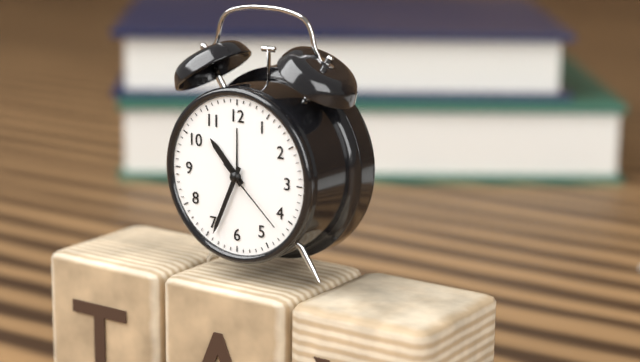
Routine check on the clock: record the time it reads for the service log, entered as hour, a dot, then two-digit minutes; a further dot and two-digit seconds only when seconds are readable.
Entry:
10.34.22
